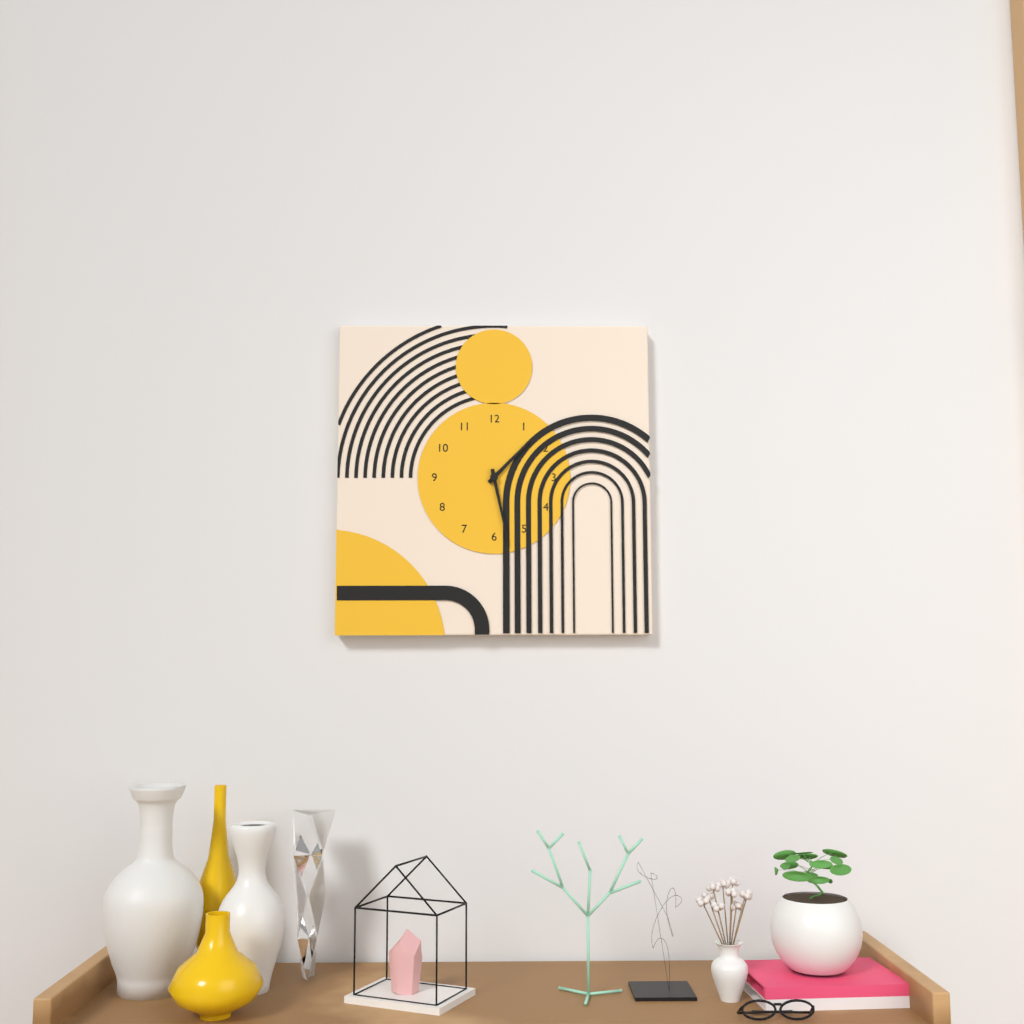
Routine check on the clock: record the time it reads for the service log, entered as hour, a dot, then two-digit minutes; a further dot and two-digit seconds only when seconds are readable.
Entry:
1.28
